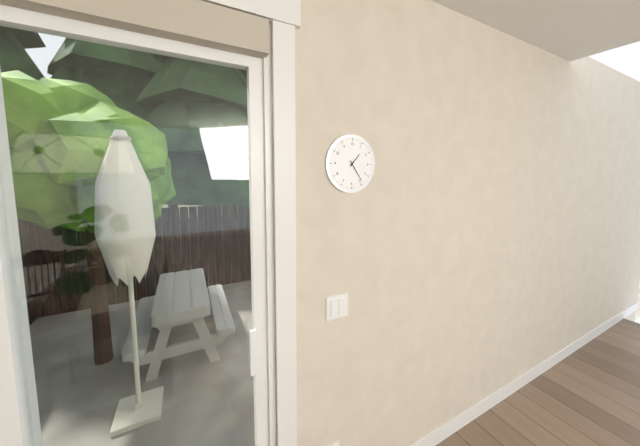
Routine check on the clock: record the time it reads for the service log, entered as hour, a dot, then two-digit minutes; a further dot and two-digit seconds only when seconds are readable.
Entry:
1.24
